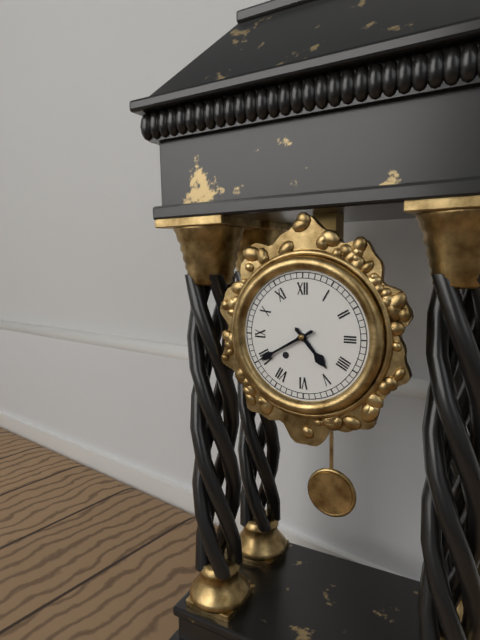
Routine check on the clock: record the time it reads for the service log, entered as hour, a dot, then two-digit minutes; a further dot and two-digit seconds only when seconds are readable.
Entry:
4.40
